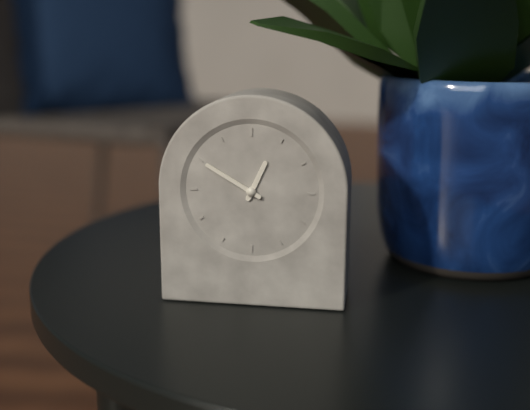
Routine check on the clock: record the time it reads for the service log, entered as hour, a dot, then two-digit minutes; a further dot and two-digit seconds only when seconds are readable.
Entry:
12.50
